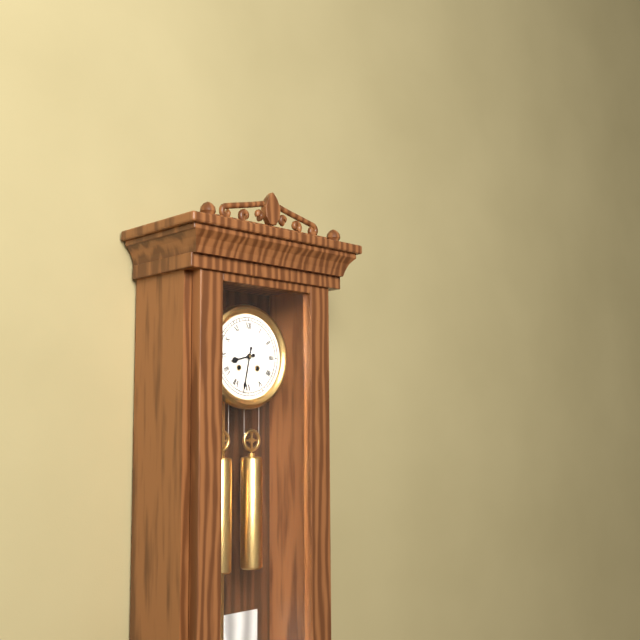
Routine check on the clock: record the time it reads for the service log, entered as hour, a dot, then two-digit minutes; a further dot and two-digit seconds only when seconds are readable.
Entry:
8.32
